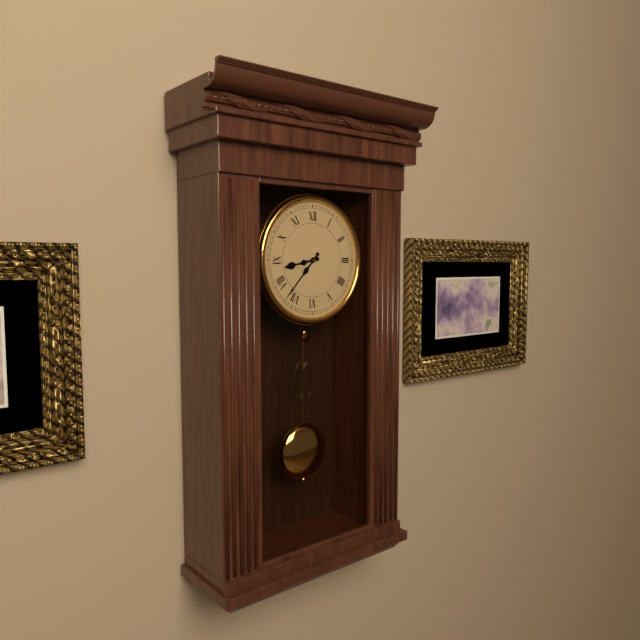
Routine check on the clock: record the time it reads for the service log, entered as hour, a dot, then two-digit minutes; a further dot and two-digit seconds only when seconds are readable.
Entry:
8.37
